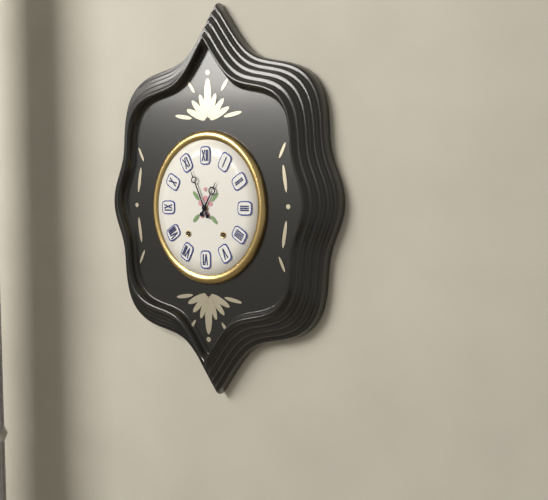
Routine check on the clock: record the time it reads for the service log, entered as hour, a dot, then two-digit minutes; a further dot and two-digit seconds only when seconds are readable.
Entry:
12.56
